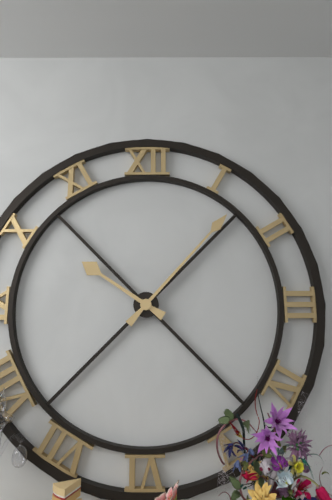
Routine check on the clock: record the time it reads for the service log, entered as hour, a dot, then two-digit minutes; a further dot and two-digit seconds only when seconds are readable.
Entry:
10.07
